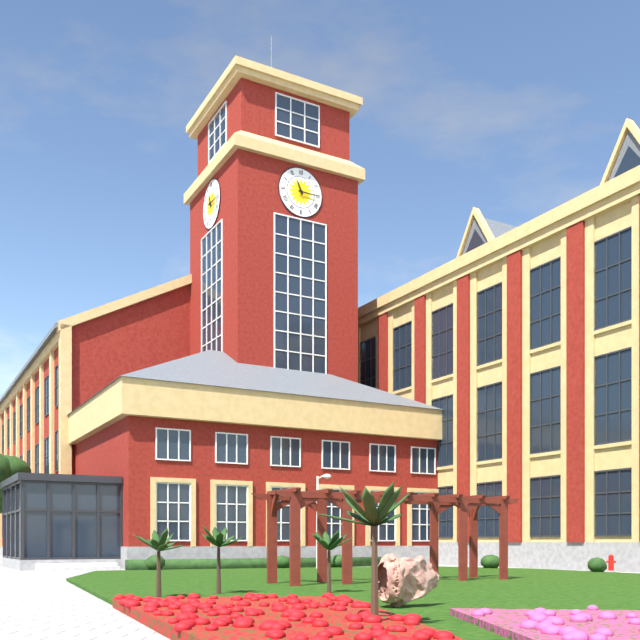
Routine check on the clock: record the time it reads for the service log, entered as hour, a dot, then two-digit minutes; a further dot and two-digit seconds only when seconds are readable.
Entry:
11.15
